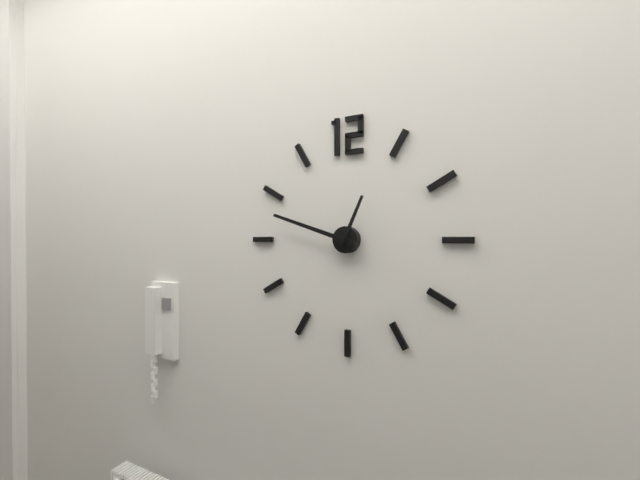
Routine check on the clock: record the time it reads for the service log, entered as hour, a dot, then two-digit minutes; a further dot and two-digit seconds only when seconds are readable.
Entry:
12.48
